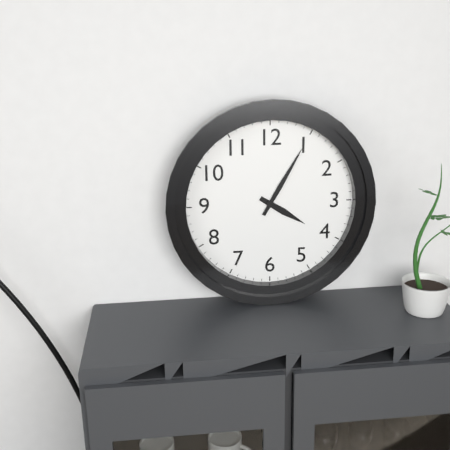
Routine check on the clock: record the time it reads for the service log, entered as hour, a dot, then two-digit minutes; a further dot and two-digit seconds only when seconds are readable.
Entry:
4.05
